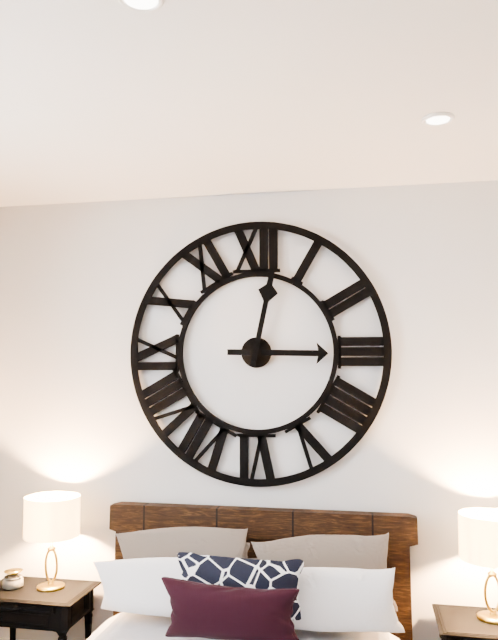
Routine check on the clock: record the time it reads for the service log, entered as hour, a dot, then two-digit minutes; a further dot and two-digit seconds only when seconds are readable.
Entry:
3.02
